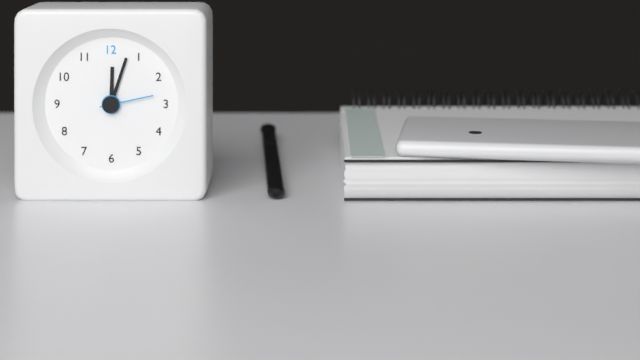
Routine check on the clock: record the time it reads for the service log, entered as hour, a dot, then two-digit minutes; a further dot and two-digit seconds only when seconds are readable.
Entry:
12.03.13
